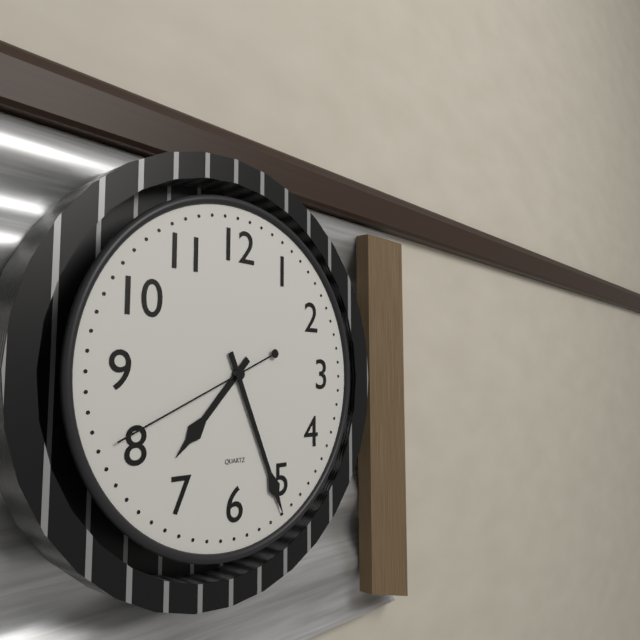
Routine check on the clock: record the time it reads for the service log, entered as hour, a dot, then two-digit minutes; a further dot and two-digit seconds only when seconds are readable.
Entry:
7.26.41
